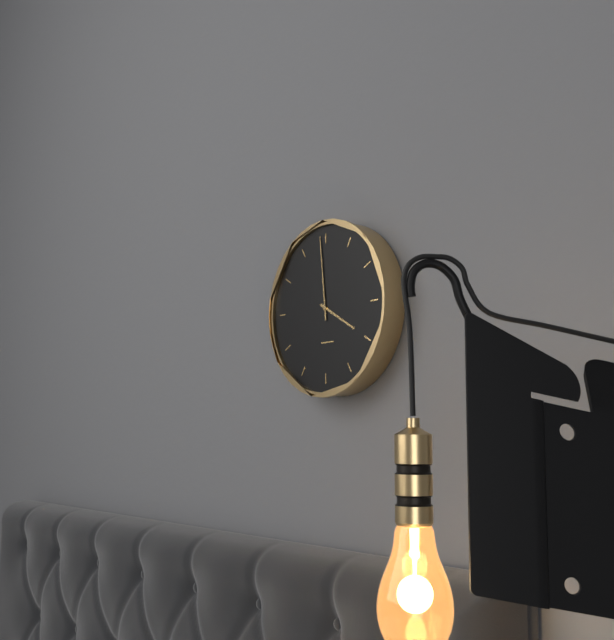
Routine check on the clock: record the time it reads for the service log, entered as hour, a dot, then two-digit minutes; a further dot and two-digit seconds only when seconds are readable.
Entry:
3.59
